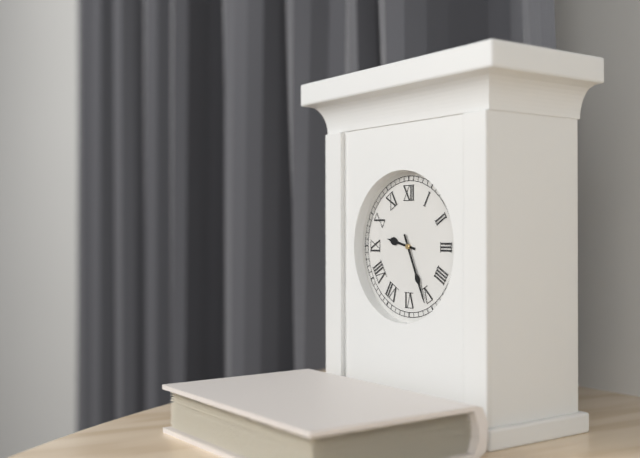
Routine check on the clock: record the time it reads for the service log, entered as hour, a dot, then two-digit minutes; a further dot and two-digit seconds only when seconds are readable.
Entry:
9.26
